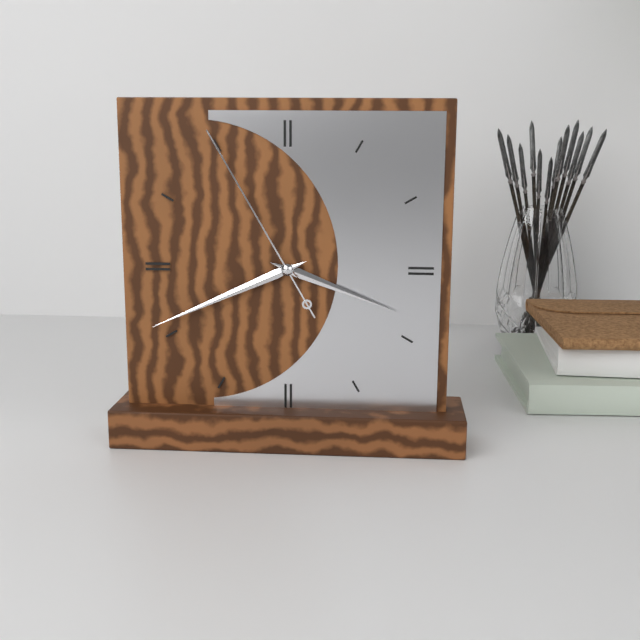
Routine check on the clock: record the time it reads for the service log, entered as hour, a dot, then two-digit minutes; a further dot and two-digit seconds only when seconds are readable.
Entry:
3.41.55
